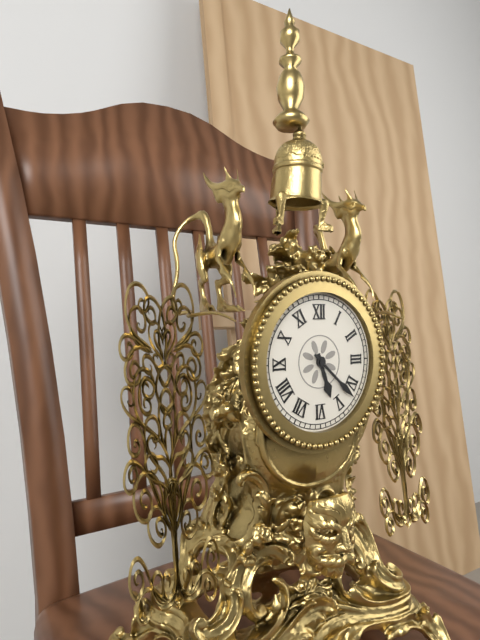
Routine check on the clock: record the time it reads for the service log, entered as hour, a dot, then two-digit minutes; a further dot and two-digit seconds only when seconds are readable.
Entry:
5.22
